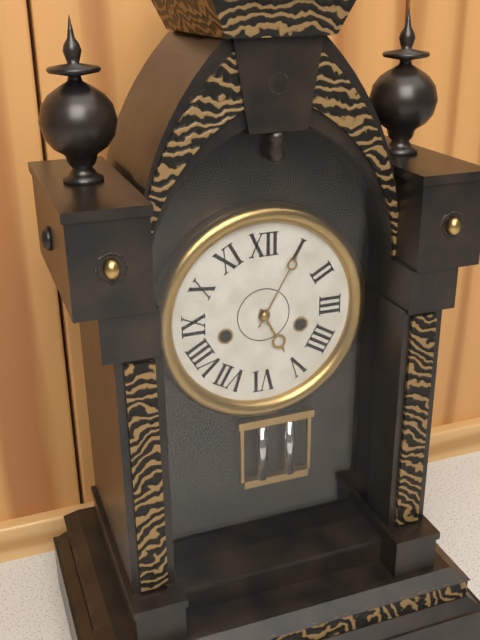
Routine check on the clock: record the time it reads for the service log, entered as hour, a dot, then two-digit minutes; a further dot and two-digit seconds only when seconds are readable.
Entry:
5.05
